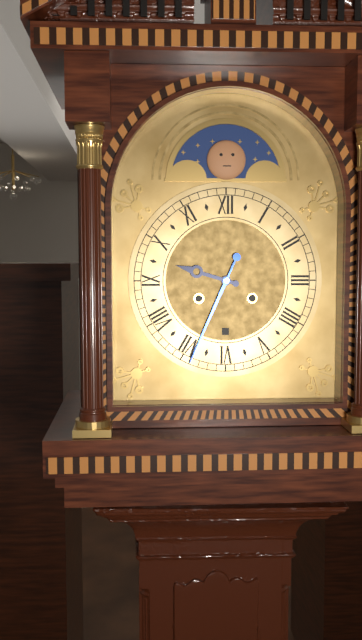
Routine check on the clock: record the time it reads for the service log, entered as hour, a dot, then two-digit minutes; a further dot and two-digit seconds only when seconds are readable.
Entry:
9.34
